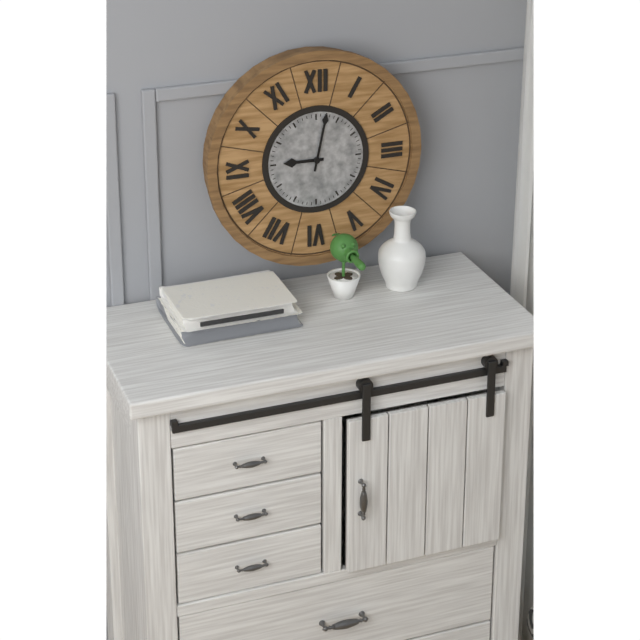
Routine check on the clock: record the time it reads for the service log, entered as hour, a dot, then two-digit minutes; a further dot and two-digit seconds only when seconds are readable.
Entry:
9.02
